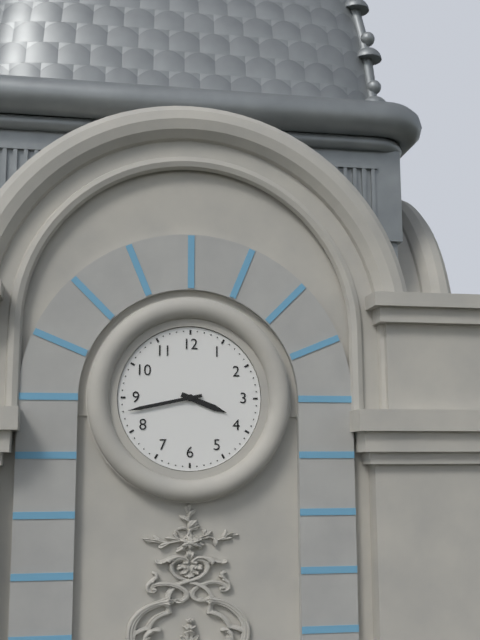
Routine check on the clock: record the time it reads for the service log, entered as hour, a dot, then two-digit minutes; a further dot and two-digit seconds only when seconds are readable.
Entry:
3.43
